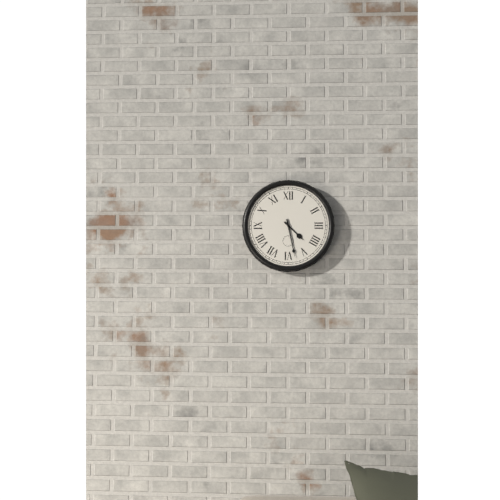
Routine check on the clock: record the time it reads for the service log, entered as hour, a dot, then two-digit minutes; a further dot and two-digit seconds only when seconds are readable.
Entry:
4.28
